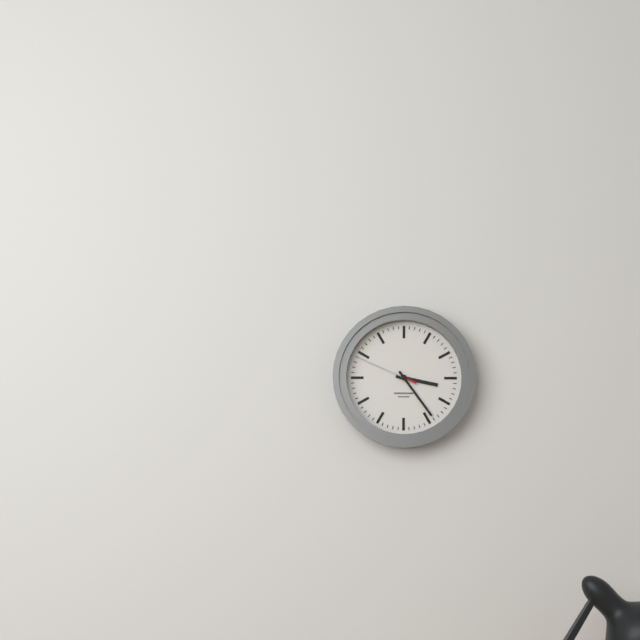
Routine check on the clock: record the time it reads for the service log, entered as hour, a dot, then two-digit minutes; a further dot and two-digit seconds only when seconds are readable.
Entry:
3.24.49
